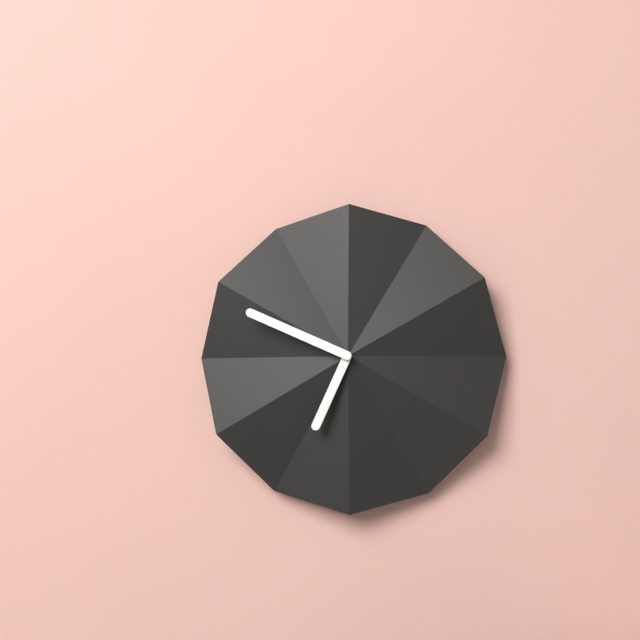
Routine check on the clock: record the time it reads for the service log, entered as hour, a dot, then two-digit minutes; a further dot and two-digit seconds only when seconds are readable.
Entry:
6.49
